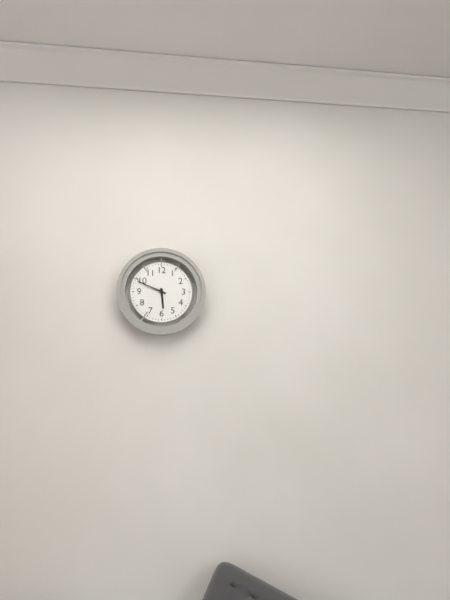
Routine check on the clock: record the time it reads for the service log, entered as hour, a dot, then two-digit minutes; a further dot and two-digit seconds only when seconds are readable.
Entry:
5.49
